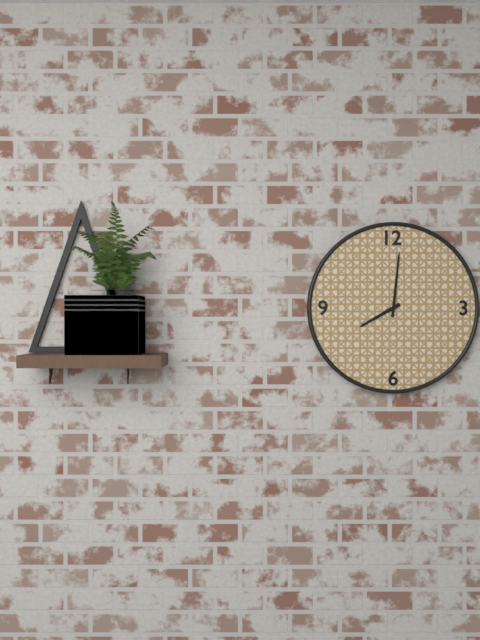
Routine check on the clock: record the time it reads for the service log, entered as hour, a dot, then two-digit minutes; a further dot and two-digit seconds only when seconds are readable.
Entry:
8.01
